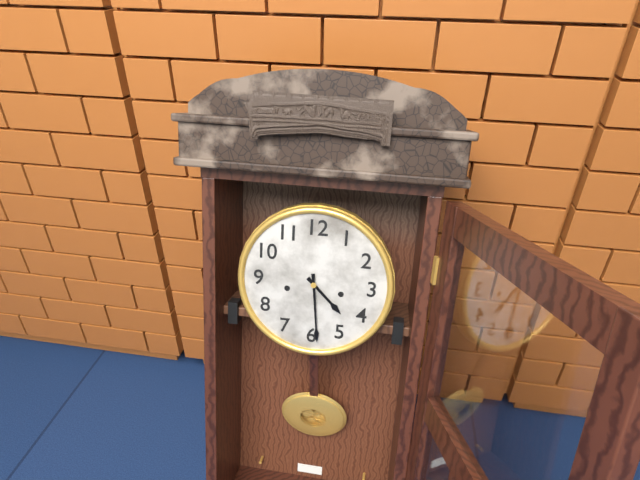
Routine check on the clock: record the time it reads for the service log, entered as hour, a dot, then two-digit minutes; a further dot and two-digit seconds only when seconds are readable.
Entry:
4.29
